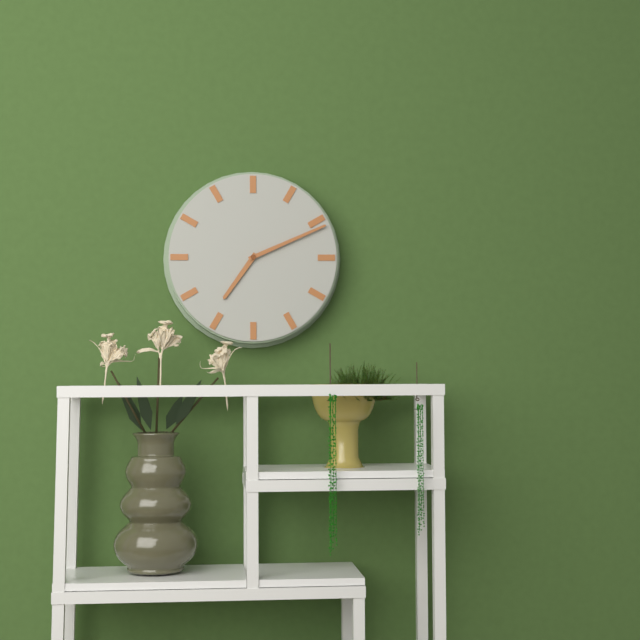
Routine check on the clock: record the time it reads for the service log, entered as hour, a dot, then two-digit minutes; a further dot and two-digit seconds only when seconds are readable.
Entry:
7.11
